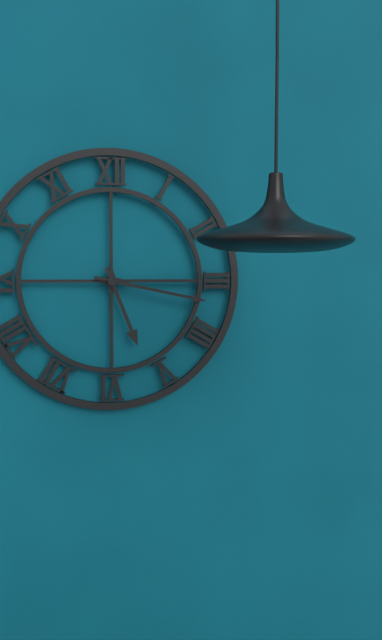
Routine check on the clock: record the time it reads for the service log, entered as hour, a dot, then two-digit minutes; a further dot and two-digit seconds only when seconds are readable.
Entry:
5.17
